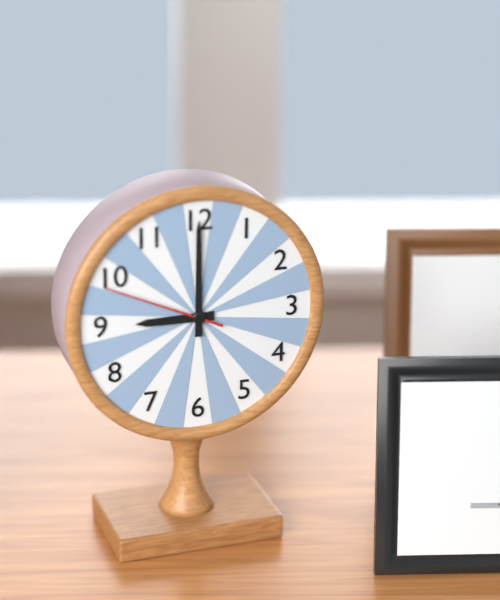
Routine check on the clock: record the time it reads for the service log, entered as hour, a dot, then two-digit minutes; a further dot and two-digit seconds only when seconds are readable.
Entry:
9.00.49
